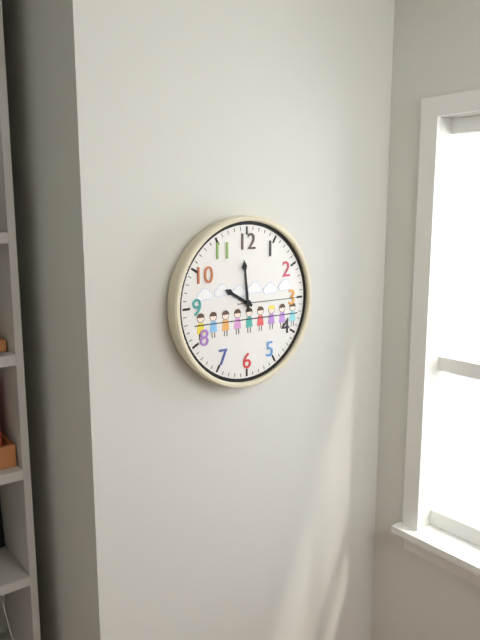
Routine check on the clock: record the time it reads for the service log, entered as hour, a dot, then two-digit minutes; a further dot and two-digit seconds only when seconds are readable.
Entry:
9.59.15
